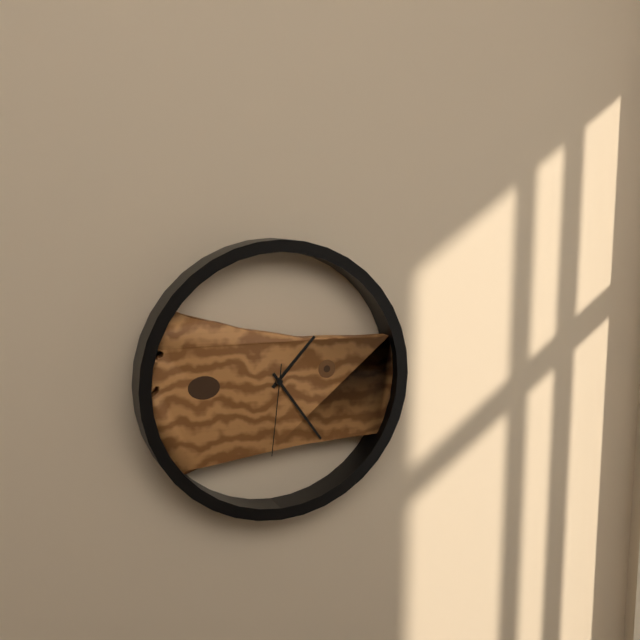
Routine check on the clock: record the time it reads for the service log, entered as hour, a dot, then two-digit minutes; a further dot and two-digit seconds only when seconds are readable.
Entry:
1.24.31
